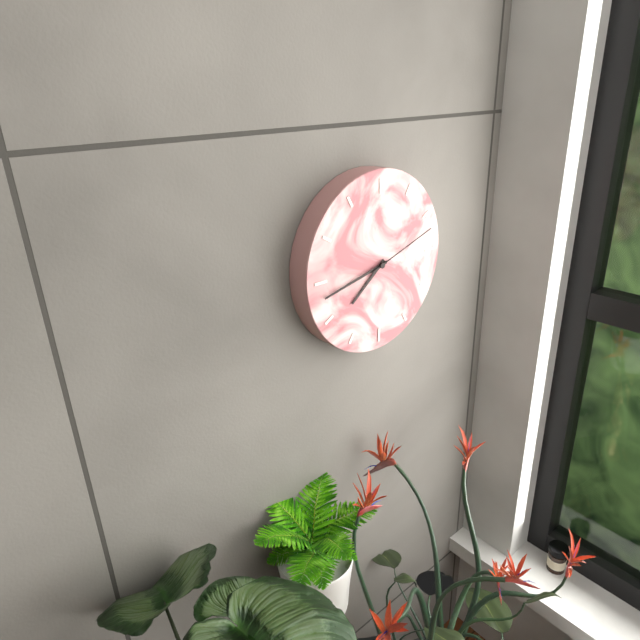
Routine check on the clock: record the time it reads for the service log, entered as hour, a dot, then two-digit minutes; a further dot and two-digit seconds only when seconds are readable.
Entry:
7.43.12
